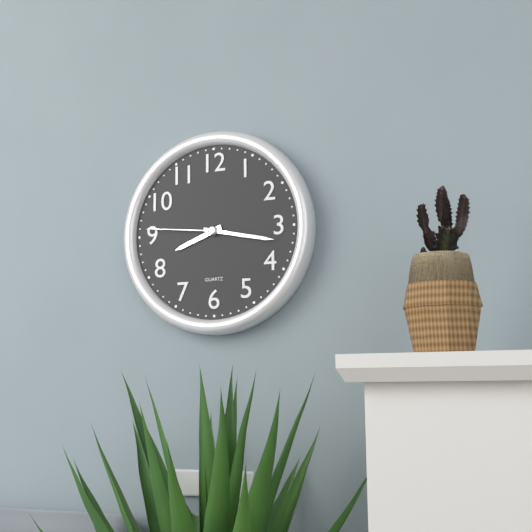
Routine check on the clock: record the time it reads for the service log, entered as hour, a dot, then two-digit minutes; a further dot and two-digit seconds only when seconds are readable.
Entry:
8.17.46
